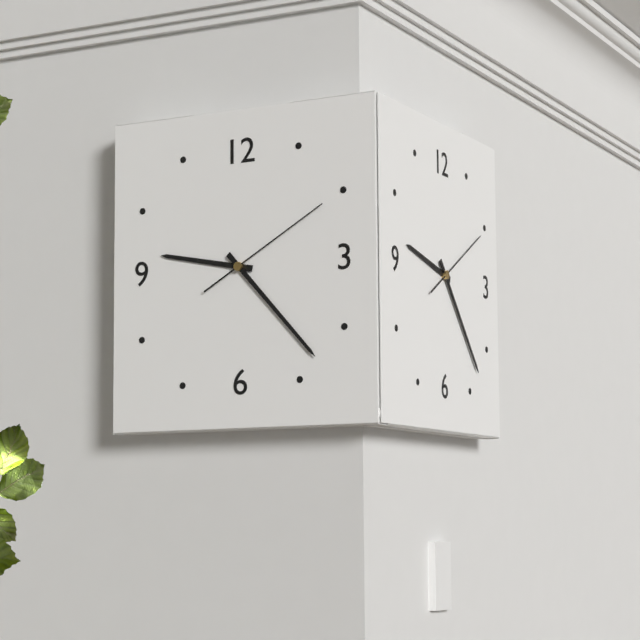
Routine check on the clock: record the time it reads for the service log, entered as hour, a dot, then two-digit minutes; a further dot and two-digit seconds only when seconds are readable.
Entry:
9.23.10
